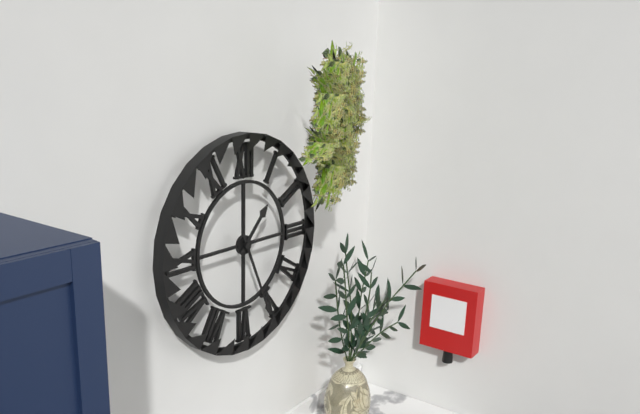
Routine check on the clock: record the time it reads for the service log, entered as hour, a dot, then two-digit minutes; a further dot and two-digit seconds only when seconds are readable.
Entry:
1.26
